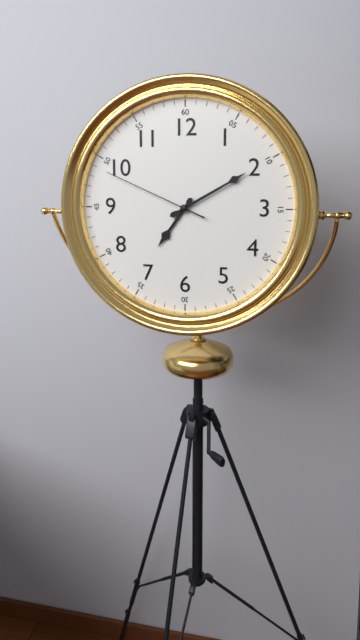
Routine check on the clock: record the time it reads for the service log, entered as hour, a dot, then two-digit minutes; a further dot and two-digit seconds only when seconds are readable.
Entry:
7.10.49
